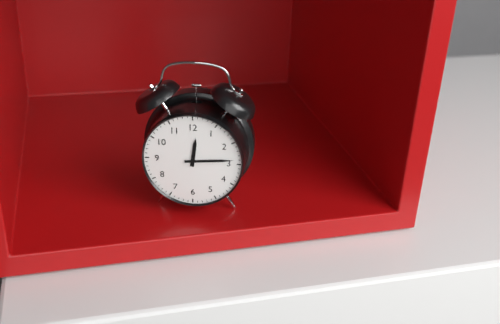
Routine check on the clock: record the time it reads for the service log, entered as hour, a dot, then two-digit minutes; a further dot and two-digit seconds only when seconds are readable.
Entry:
12.14
